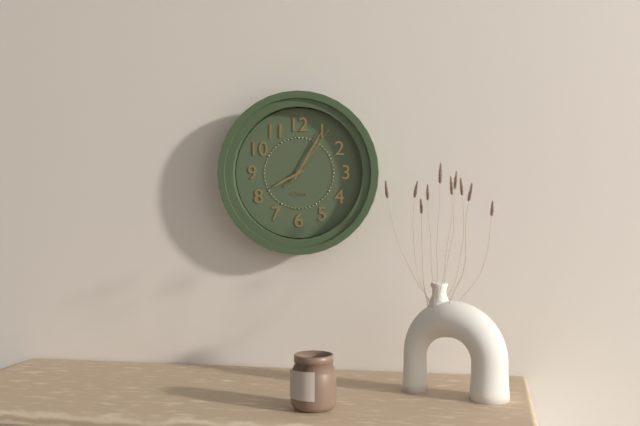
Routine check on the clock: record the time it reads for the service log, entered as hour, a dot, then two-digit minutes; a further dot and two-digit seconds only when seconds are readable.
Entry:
8.05.06
